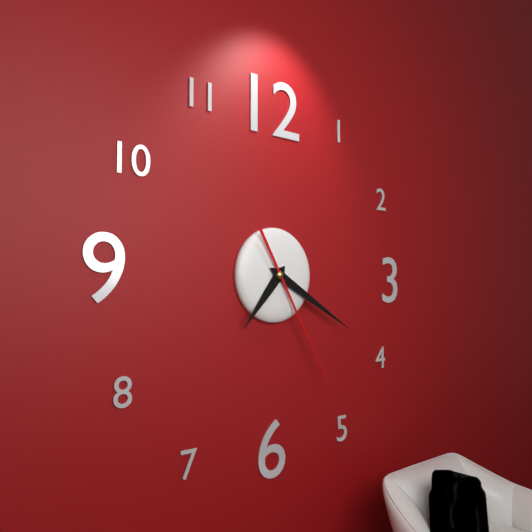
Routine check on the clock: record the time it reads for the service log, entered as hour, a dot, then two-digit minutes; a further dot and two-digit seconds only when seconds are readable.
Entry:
7.20.25
